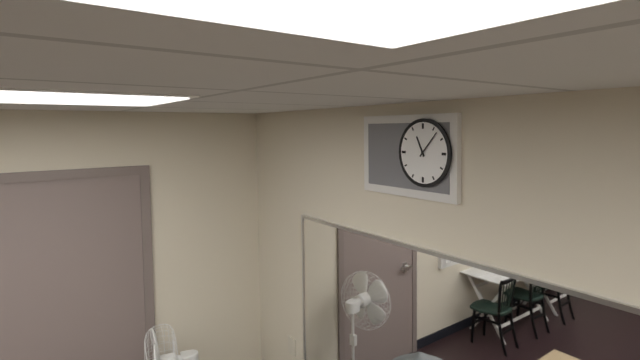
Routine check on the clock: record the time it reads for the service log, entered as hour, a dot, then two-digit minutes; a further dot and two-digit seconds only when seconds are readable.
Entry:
11.07
